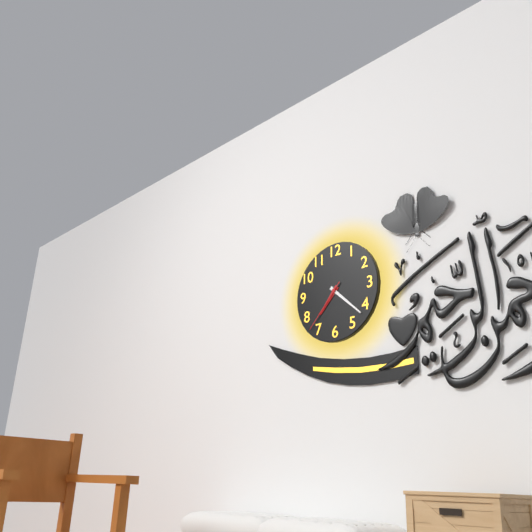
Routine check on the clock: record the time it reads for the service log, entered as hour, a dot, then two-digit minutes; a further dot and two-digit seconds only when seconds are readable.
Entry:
7.22.37
